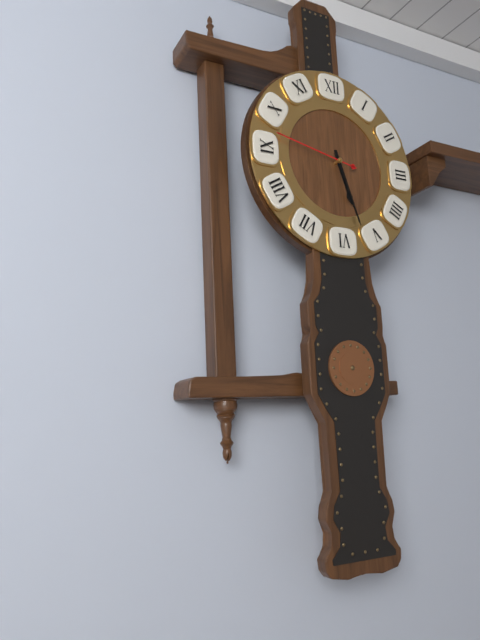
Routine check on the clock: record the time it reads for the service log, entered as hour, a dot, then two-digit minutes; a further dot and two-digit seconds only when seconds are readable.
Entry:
5.27.47
